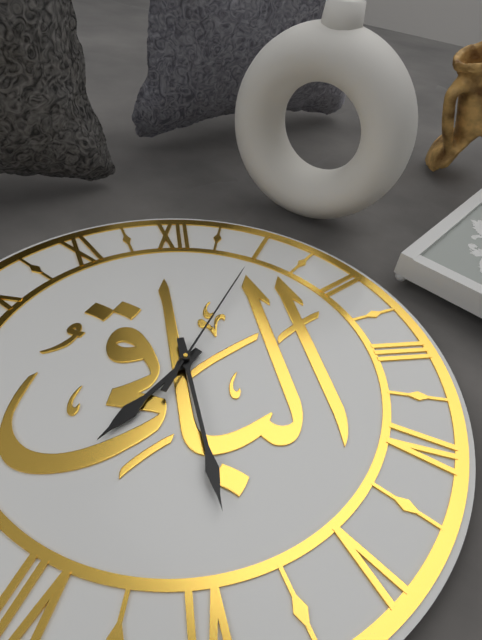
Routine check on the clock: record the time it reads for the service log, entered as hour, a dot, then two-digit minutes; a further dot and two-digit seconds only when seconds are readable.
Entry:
7.29.05
